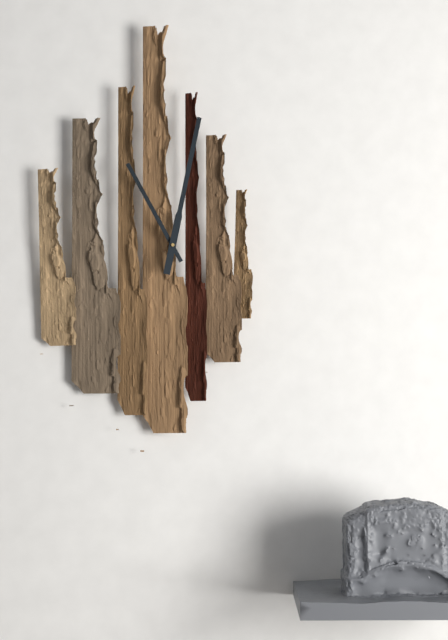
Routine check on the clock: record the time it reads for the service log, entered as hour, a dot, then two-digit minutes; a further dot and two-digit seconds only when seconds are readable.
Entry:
11.02
